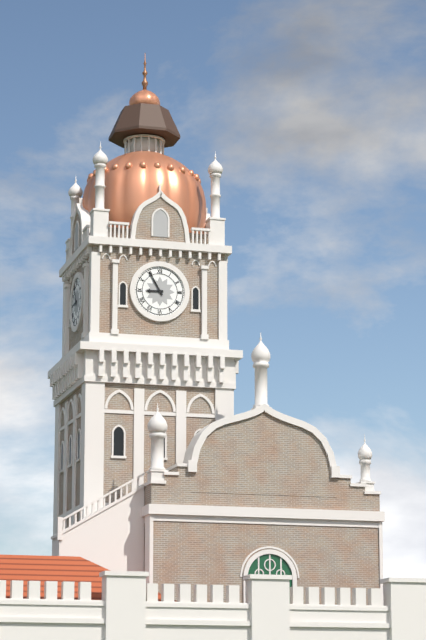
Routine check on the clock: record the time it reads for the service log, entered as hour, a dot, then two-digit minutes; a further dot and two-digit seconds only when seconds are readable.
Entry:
8.55
